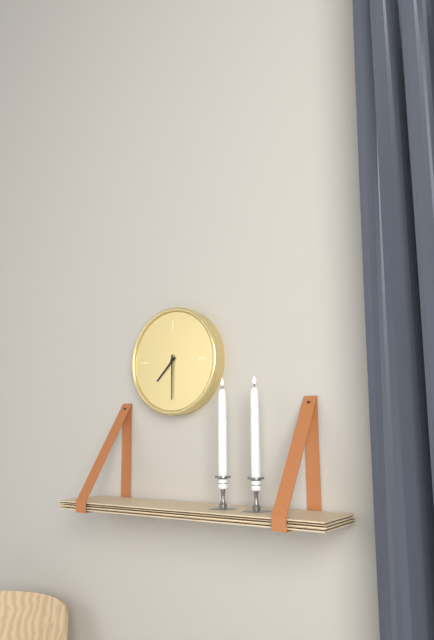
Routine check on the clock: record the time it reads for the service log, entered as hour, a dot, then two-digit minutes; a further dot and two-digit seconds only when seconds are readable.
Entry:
7.30
